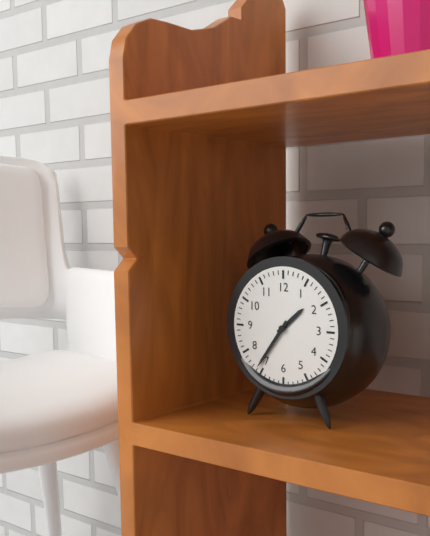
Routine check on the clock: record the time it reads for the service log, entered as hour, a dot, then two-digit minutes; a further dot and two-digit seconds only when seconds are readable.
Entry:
1.36
